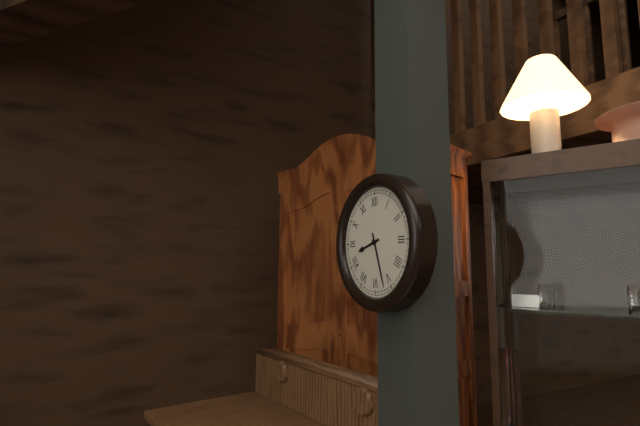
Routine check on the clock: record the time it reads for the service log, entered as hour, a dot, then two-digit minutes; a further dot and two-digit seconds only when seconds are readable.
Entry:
8.27
